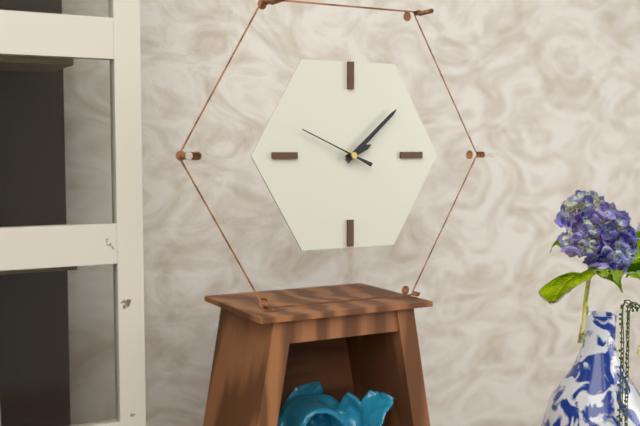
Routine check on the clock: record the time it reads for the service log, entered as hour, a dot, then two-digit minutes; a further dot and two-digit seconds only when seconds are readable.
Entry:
2.08.49
